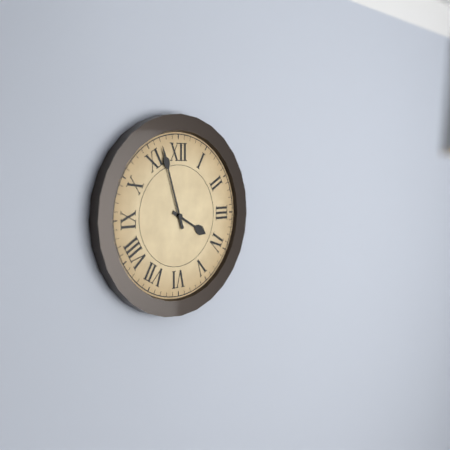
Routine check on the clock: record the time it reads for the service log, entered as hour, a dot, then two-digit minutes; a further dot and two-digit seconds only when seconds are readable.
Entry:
3.57
